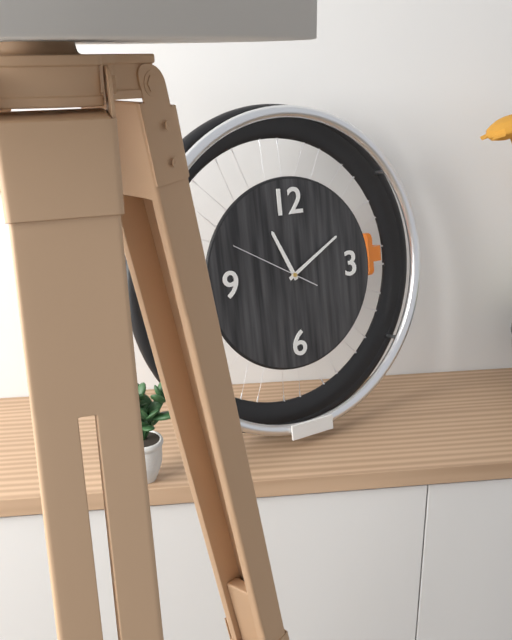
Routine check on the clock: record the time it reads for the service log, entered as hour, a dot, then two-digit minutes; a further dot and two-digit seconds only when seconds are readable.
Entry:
11.10.50
